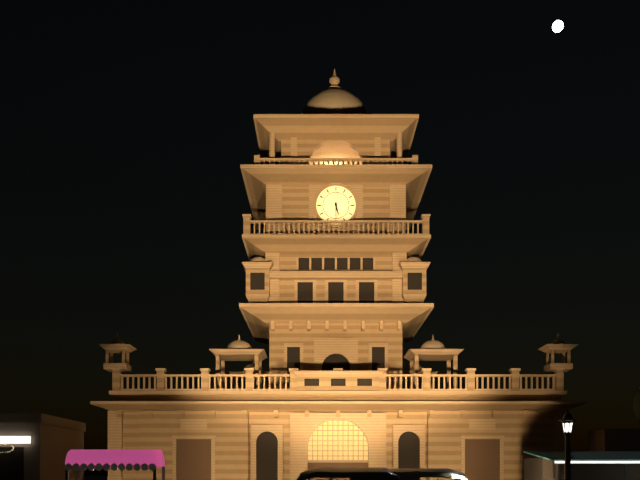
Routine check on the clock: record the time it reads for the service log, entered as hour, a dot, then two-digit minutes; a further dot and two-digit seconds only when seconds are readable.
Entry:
5.30
